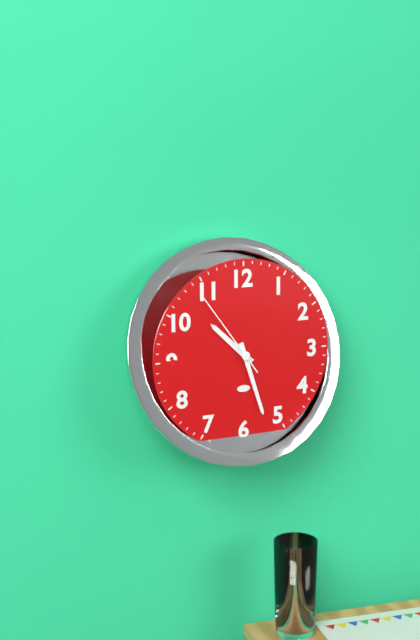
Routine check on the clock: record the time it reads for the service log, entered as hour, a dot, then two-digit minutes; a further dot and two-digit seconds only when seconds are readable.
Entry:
10.27.54
